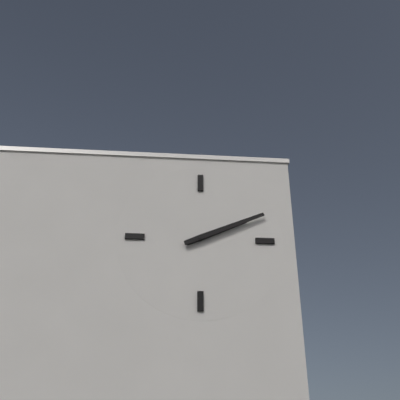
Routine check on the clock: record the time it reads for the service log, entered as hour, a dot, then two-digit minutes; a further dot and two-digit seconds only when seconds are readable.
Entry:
2.11
